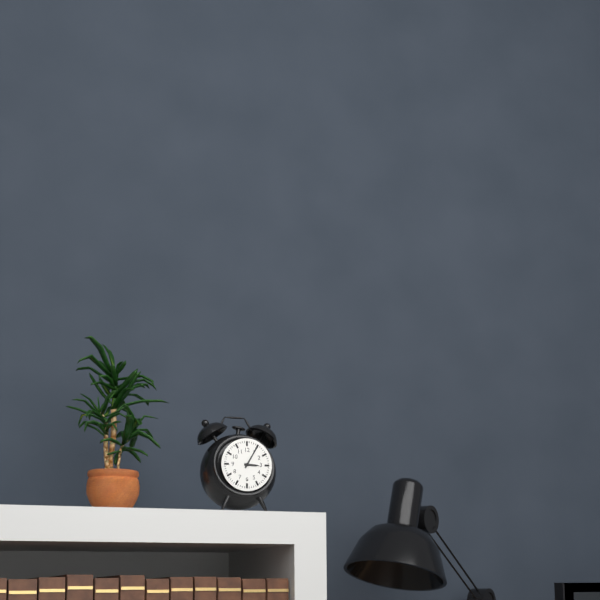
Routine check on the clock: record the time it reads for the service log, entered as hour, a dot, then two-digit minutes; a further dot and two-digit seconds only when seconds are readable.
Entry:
3.05
